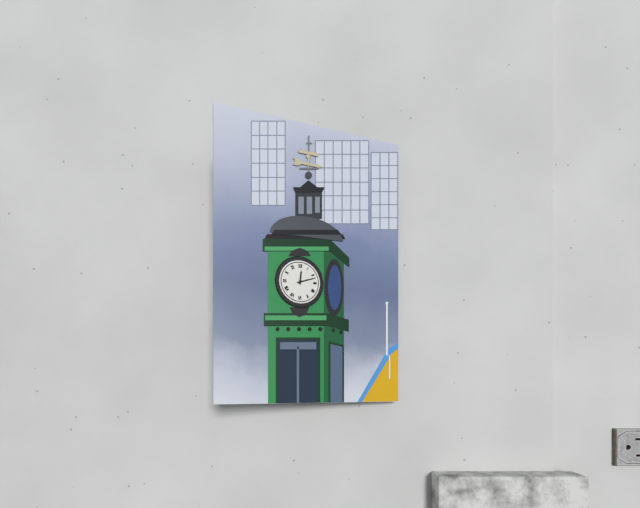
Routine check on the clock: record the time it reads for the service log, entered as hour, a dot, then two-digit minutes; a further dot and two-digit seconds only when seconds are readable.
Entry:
12.12
